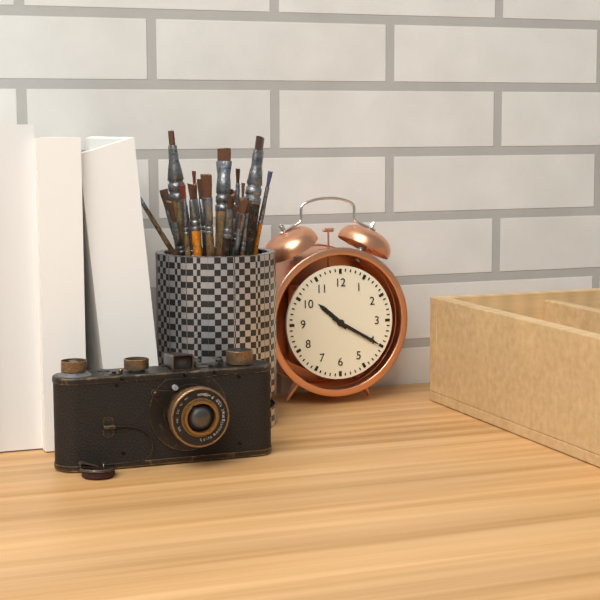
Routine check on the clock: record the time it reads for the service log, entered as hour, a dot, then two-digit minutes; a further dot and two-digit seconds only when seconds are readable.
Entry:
10.20
